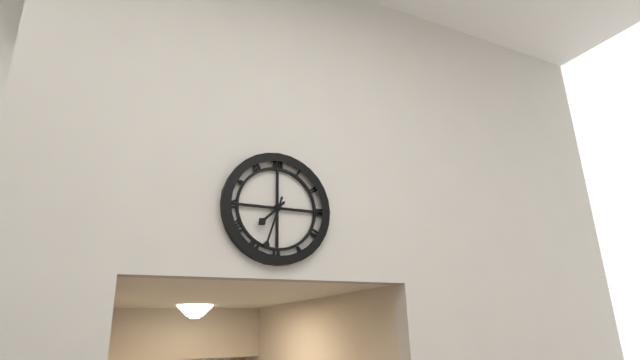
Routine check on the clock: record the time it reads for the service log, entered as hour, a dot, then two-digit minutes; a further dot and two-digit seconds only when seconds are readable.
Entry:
7.33
